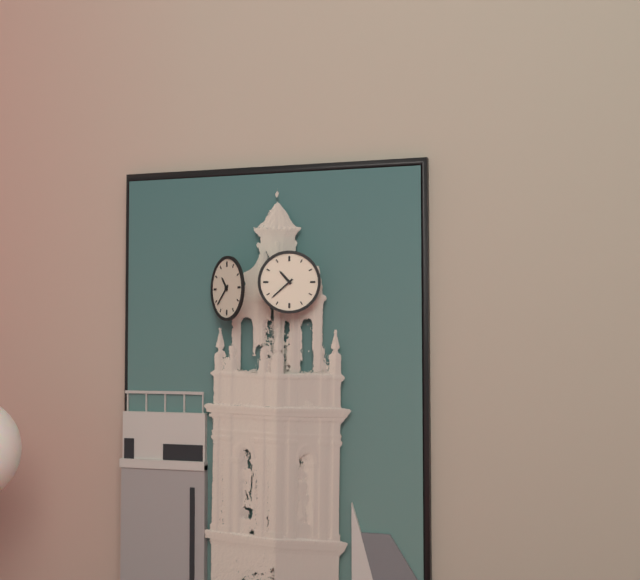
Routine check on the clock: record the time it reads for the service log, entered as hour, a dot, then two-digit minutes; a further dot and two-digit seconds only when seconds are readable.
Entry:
10.38
